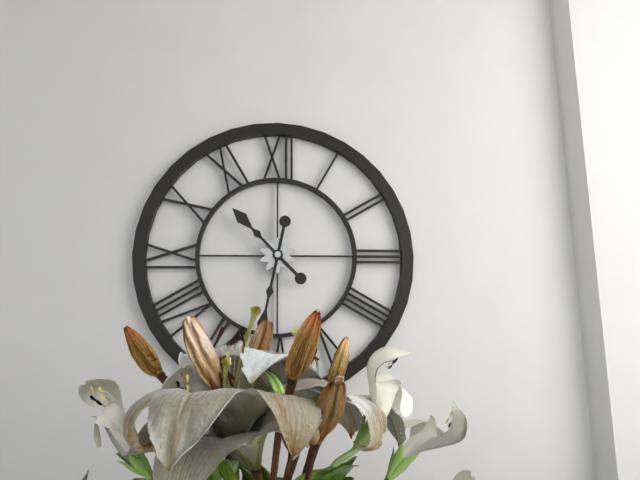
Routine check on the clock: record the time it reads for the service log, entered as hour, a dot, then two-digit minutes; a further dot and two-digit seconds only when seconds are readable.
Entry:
10.32
